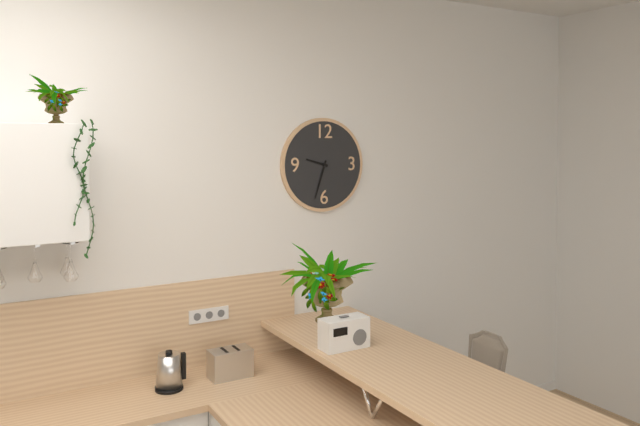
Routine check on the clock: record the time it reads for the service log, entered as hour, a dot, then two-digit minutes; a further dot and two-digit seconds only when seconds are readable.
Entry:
9.33
